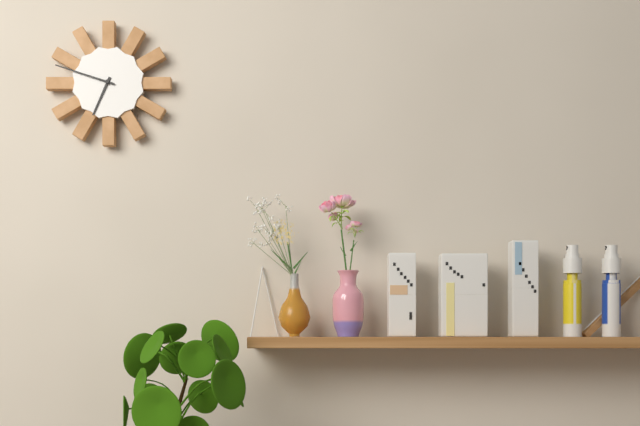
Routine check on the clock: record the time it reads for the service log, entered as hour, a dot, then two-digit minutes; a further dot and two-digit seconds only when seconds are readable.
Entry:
6.48
